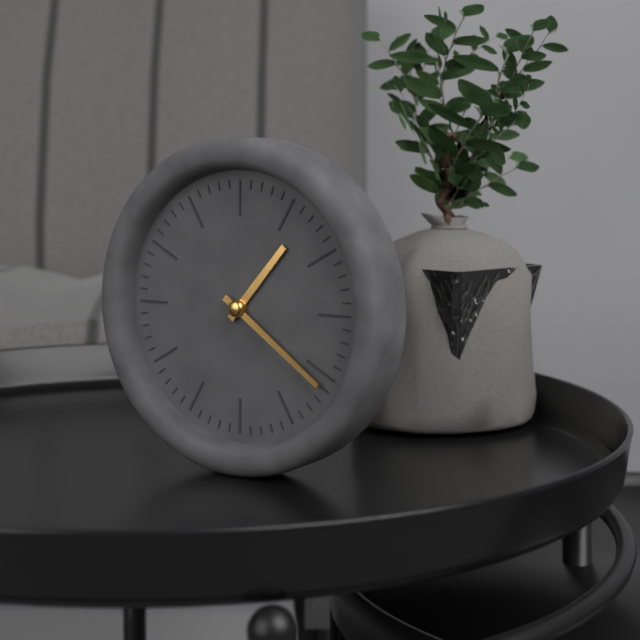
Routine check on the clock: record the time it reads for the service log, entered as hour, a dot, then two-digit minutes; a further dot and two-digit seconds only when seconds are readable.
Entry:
1.21
